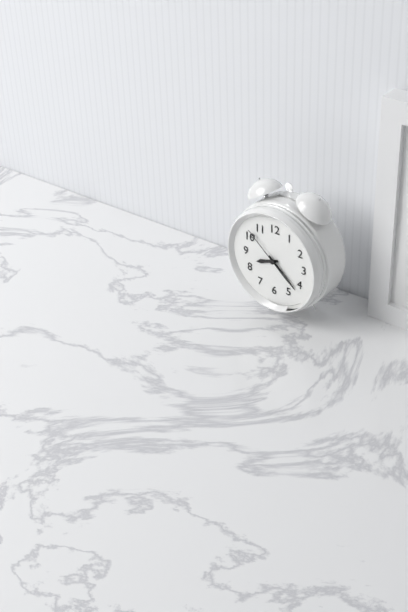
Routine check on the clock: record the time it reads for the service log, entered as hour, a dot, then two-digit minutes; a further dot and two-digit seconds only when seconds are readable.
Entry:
8.22.52
